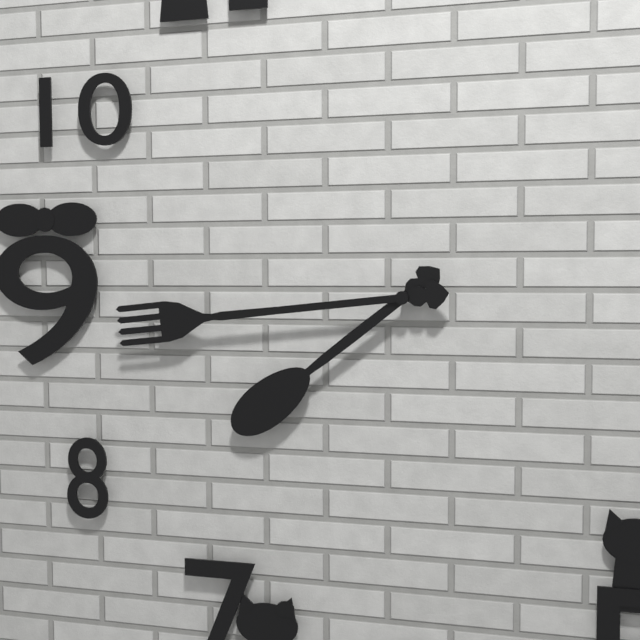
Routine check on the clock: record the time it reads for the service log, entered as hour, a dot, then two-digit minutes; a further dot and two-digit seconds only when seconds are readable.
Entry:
7.44
